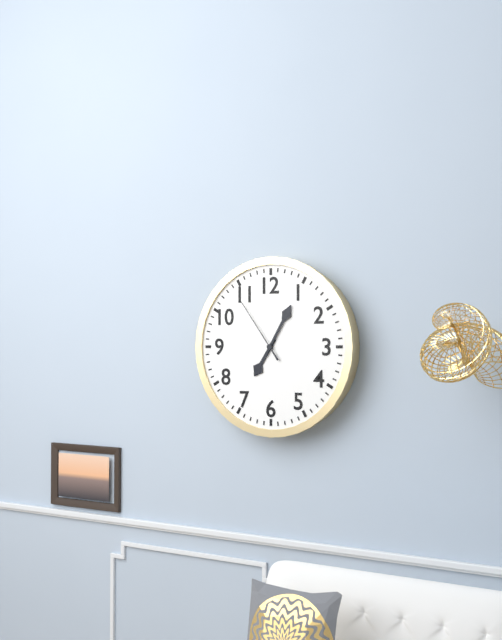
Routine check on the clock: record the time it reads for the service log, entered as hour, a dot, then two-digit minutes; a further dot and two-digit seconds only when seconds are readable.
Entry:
7.05.54
